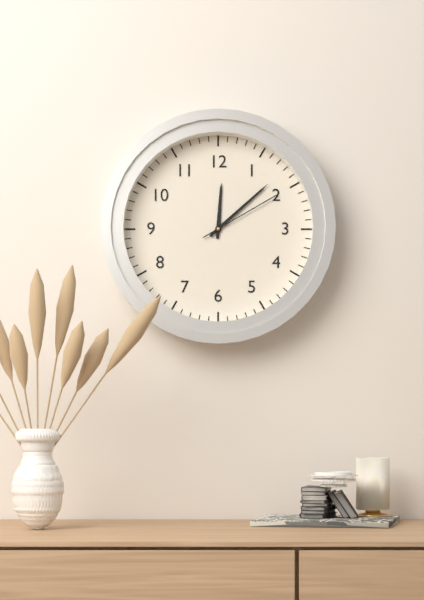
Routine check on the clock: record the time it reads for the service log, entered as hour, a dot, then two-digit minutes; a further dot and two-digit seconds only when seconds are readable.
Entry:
12.08.10
